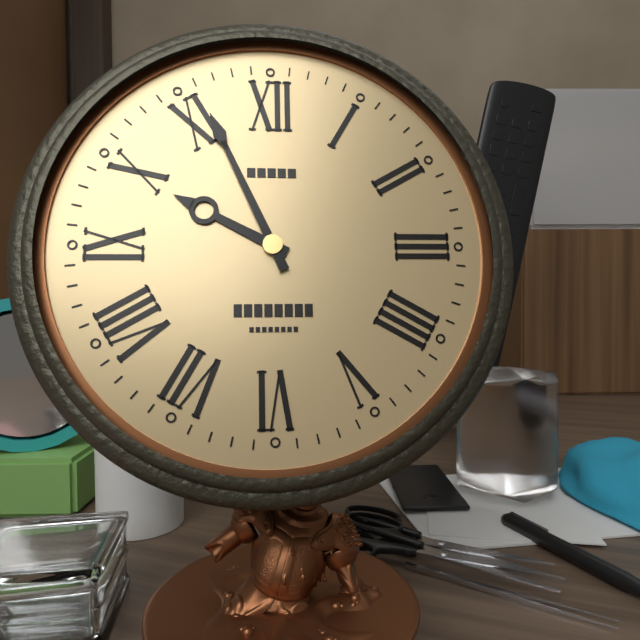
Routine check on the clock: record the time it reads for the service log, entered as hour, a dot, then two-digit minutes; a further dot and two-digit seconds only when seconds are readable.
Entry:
9.56
